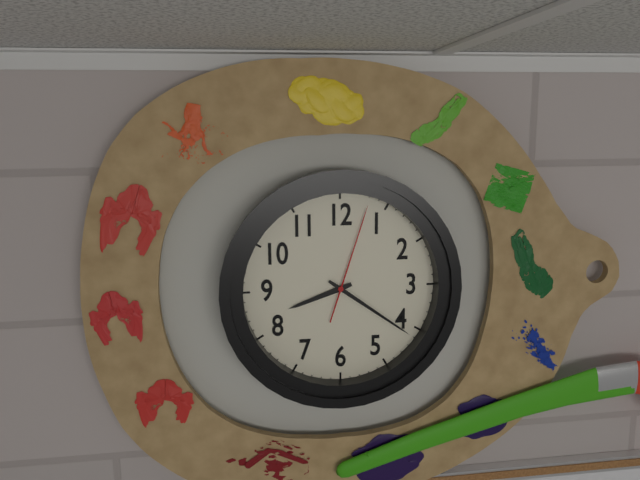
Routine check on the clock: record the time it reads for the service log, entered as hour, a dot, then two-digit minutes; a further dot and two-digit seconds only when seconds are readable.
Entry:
8.21.03
